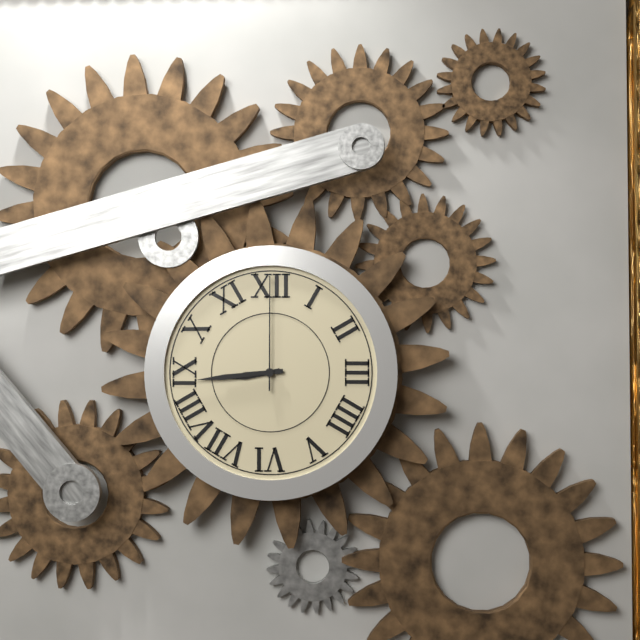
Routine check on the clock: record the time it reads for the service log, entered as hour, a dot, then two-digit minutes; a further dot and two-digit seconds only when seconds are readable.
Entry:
8.44.00
